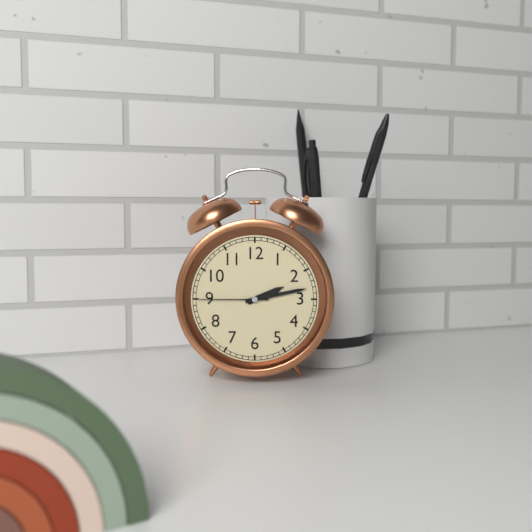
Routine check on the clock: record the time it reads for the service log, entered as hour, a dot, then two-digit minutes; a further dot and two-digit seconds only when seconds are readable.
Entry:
2.13.45
